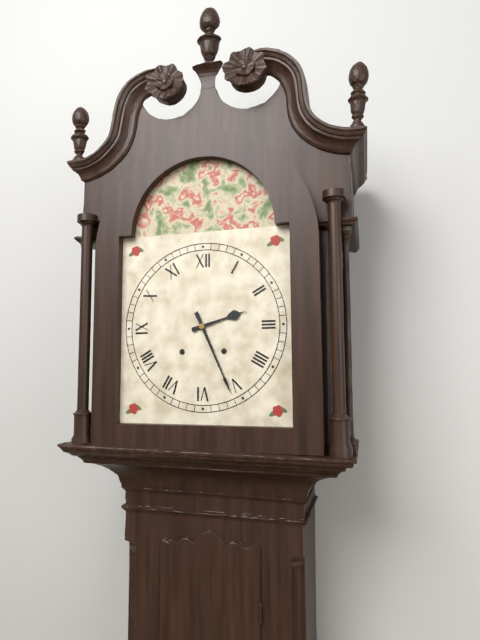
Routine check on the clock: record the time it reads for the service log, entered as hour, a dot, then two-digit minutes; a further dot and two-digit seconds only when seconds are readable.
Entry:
2.26
